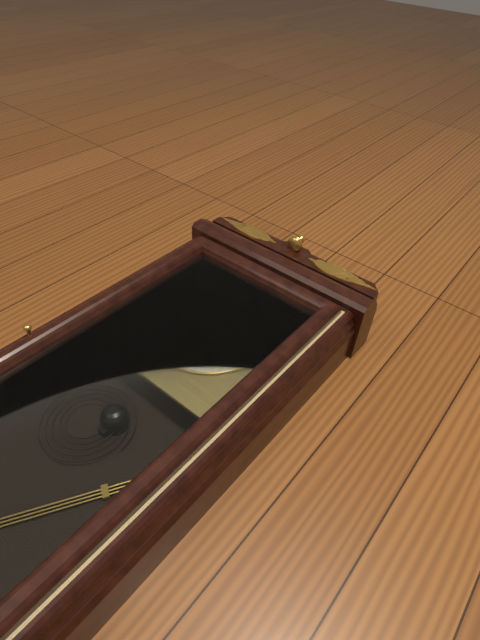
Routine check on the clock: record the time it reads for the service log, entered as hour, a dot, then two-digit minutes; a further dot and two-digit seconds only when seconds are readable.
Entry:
7.19
